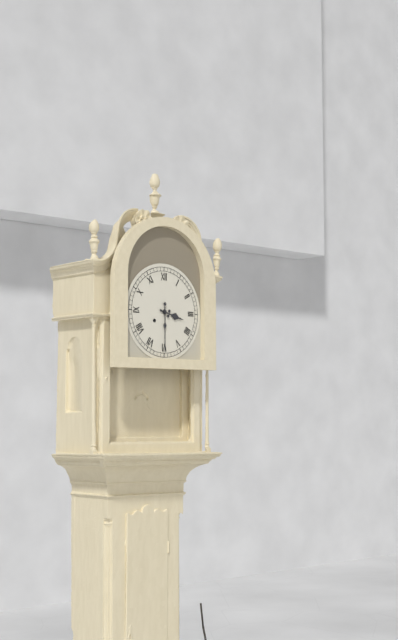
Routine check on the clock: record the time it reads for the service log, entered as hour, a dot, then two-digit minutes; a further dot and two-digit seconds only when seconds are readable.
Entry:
3.30
